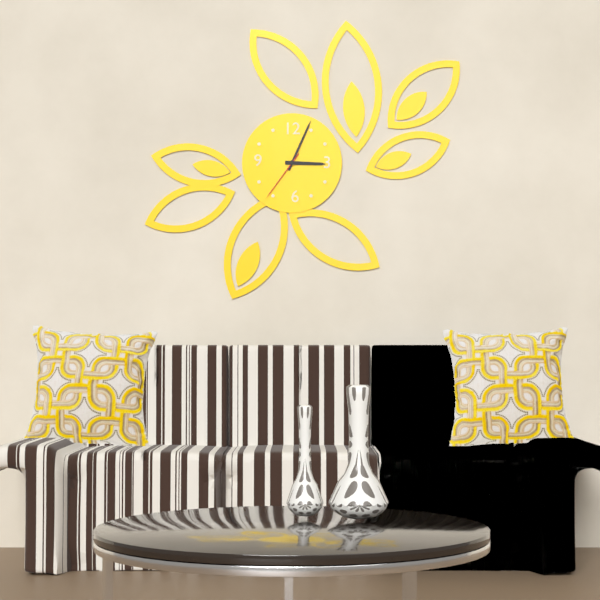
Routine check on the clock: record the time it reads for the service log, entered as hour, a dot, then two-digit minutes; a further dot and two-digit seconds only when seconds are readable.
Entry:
3.04.36
